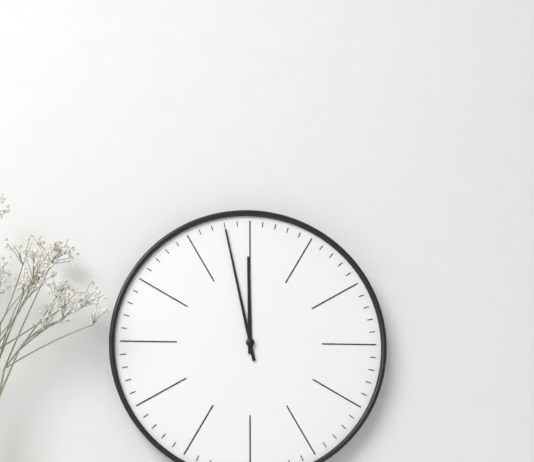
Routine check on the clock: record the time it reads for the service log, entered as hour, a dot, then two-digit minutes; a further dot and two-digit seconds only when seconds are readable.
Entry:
11.58
